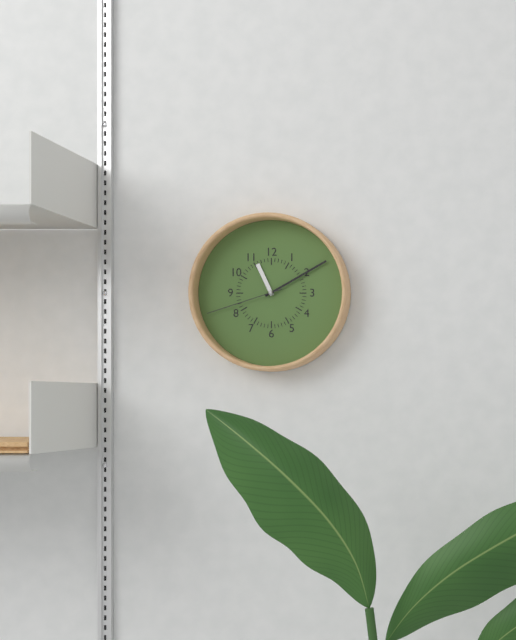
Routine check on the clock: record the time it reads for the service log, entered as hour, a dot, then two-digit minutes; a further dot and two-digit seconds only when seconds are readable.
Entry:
11.10.42
